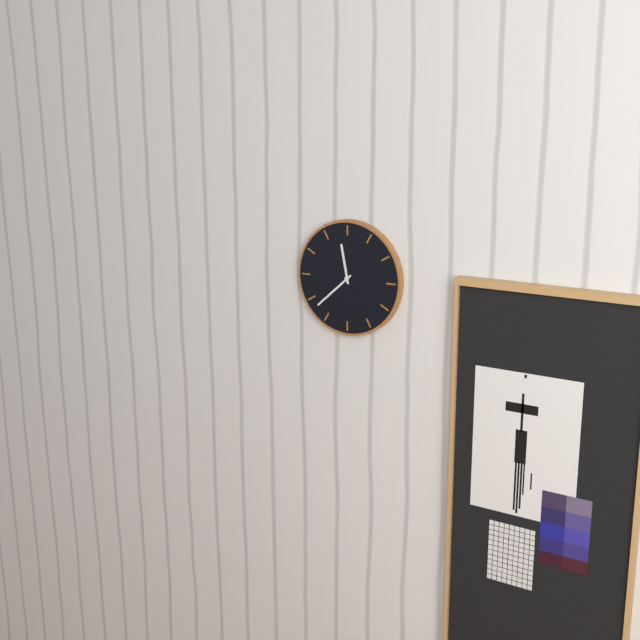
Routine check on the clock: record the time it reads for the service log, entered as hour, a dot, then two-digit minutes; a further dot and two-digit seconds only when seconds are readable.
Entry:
11.38
